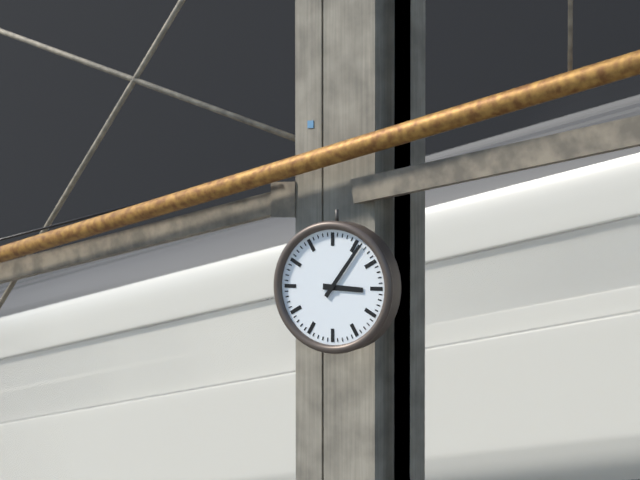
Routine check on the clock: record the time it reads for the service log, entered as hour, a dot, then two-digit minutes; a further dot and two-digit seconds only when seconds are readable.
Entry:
3.06
